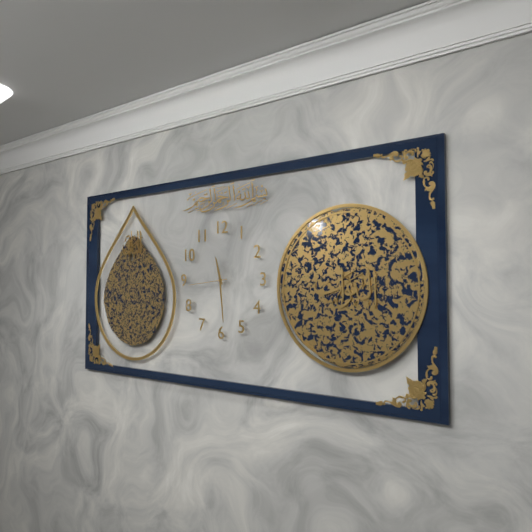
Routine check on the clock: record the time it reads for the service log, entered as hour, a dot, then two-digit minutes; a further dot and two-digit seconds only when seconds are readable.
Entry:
11.29
